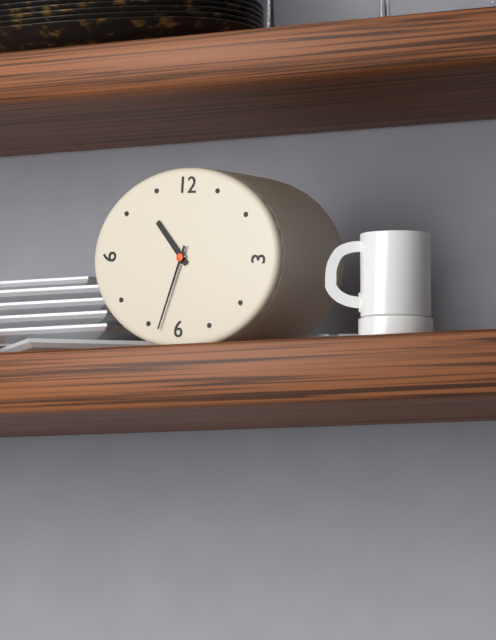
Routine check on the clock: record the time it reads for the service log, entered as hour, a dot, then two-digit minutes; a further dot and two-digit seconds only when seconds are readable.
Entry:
10.33
